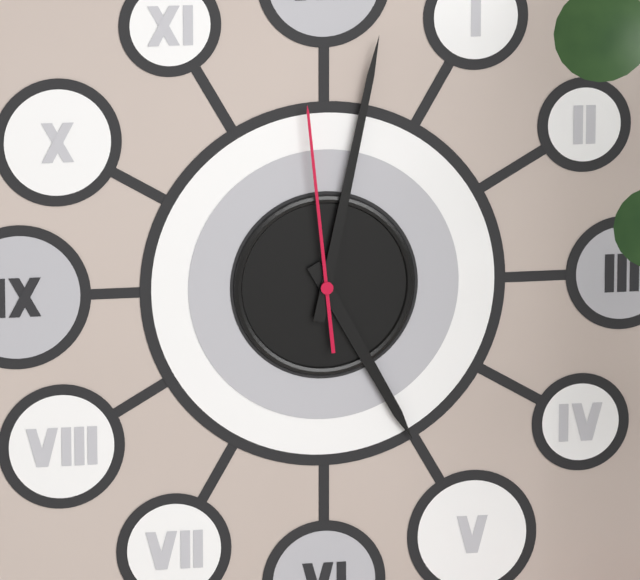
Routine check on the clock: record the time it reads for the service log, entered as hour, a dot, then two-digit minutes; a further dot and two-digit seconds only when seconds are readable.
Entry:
5.02.59
